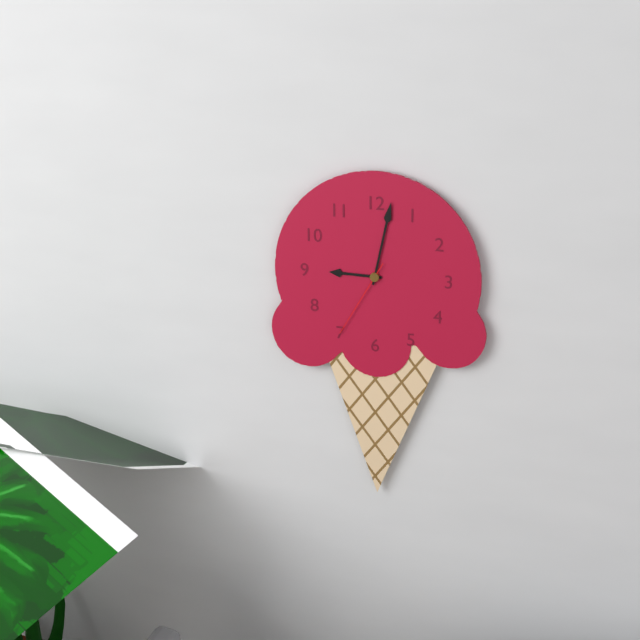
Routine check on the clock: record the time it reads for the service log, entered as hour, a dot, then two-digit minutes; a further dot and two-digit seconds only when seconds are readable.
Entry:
9.02.35
